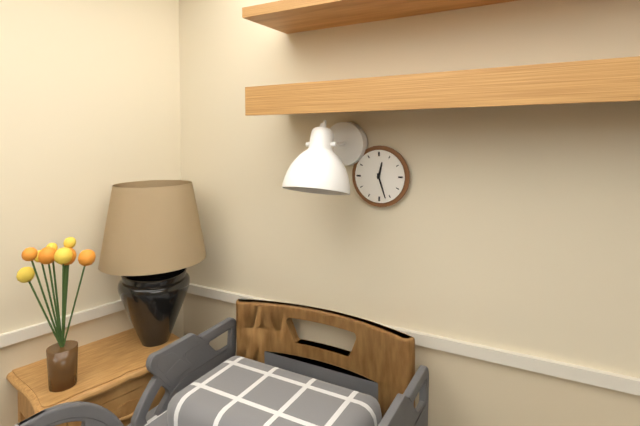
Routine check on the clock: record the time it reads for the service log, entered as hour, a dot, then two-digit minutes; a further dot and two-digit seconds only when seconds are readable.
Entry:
12.27
